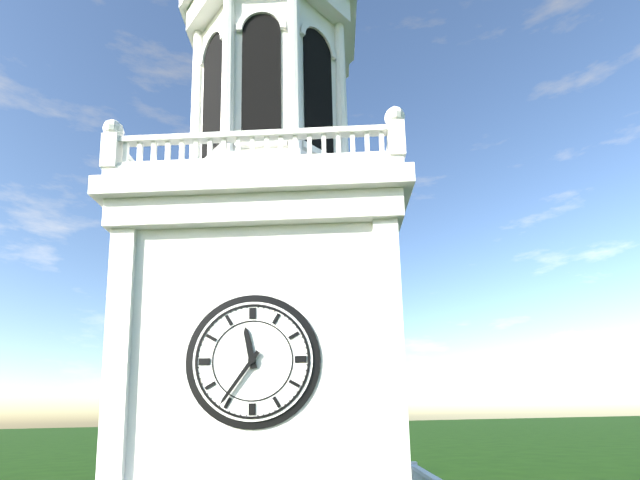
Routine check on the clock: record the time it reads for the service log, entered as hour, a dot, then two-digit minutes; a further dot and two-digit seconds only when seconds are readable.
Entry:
11.36
